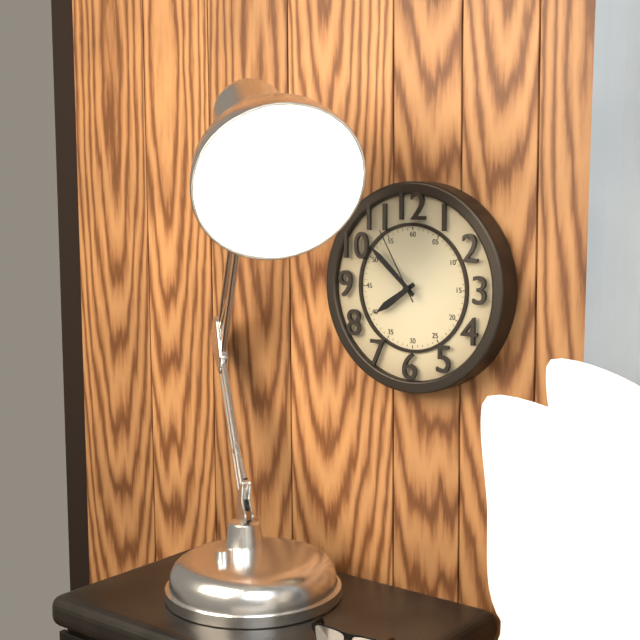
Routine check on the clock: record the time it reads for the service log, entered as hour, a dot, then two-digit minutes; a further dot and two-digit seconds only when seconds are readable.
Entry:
7.52.55
